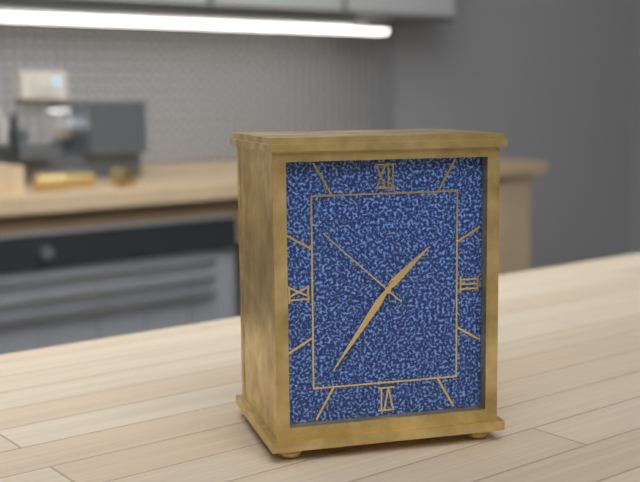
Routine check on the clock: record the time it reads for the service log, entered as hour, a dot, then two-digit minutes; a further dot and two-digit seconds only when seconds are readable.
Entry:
1.36.52
